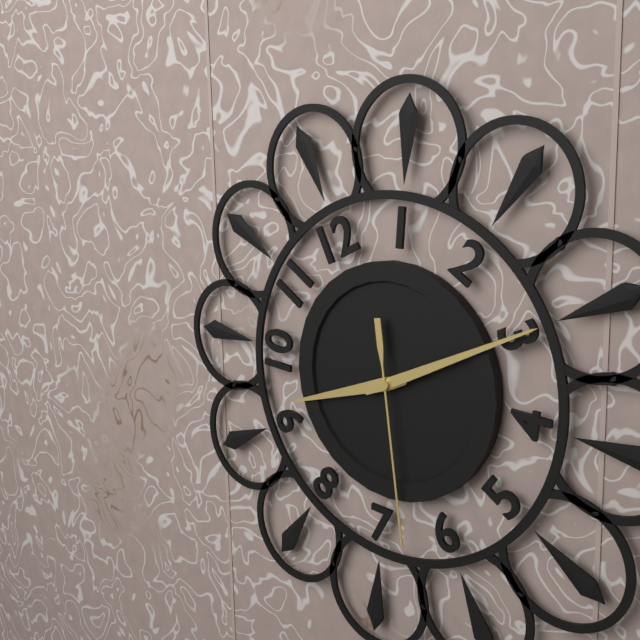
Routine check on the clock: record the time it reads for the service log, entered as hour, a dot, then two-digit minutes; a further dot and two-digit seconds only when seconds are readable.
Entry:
9.15.33
